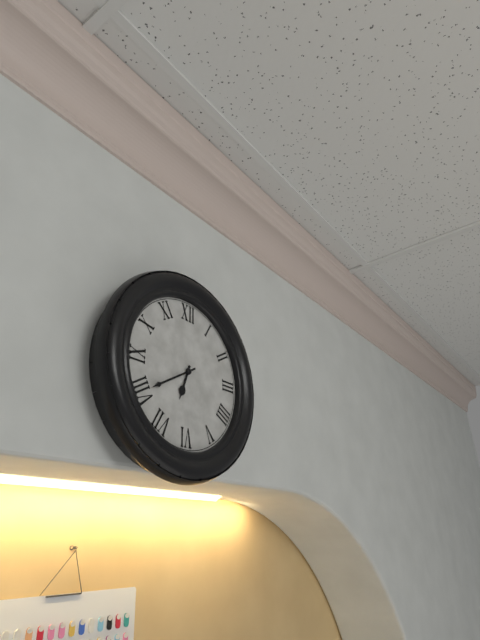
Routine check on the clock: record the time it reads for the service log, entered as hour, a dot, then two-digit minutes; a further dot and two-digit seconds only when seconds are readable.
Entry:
6.40
